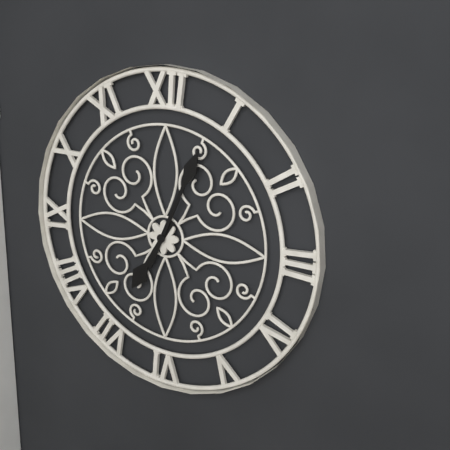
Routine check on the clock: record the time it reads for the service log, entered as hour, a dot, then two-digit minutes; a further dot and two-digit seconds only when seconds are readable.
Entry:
7.04
